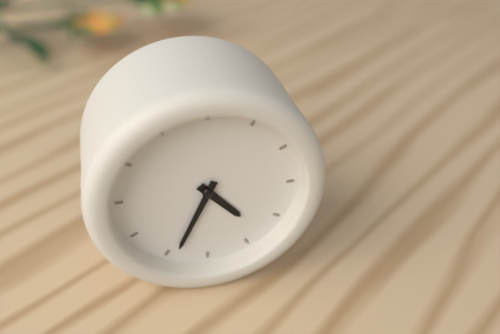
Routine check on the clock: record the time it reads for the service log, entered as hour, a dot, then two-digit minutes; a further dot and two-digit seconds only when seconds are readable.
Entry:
4.34
